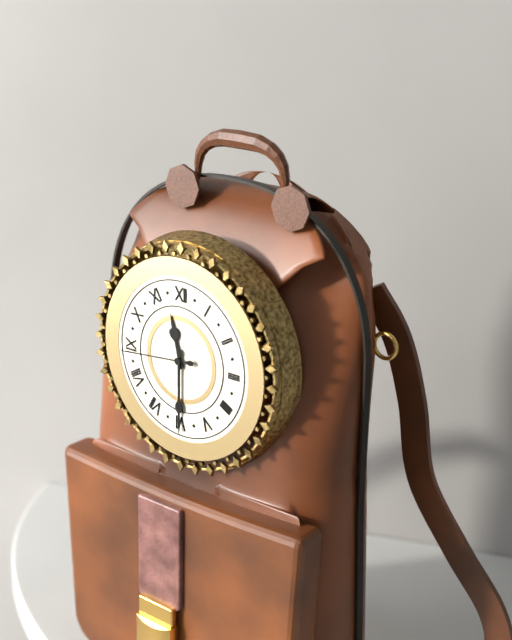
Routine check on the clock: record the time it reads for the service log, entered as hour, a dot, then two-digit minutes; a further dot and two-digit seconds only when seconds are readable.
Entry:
11.30.44
